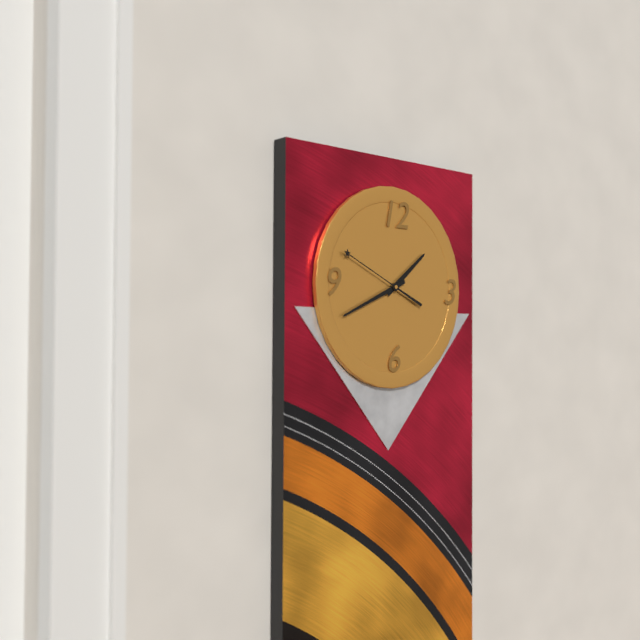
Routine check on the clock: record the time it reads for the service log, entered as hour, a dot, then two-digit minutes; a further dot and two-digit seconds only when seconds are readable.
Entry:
1.41.49
